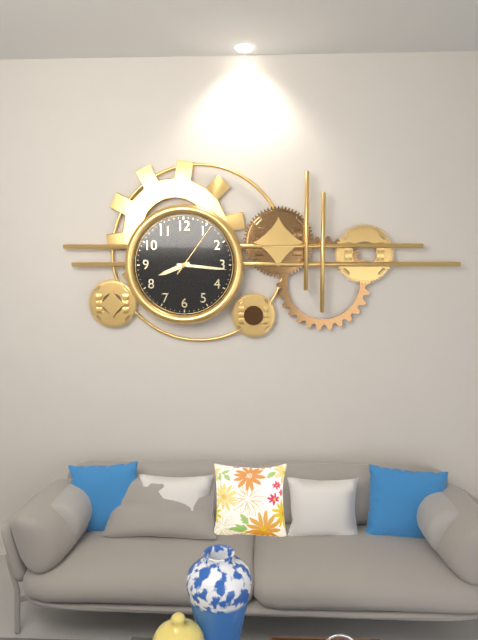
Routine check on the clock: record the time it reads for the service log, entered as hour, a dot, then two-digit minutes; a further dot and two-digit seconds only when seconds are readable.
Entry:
8.16.06
